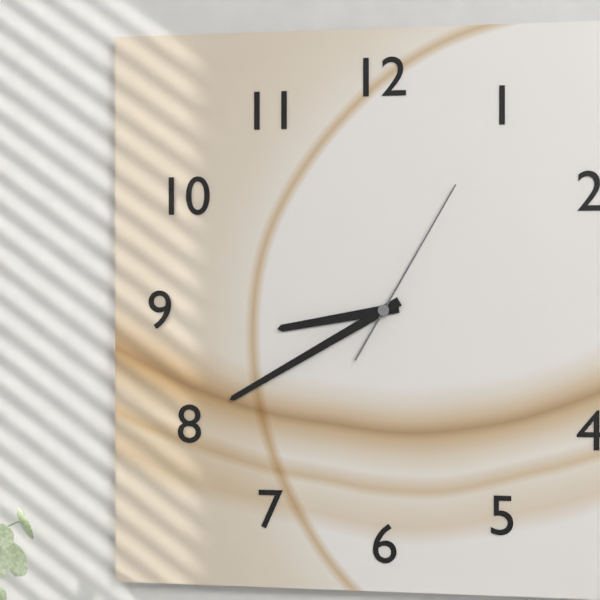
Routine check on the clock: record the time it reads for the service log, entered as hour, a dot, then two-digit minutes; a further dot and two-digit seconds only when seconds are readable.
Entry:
8.40.05
